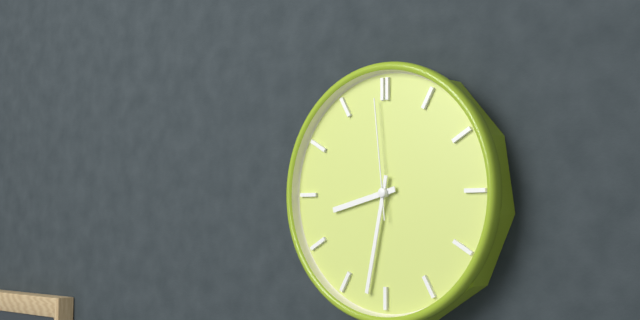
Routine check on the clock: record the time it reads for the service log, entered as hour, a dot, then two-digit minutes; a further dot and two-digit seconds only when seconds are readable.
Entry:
8.32.59
